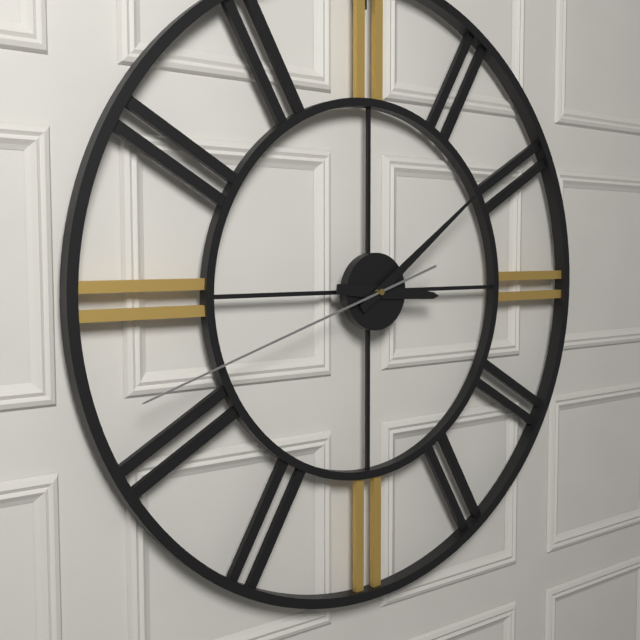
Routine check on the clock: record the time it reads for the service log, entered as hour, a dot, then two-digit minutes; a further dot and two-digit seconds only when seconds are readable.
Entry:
3.09.42
